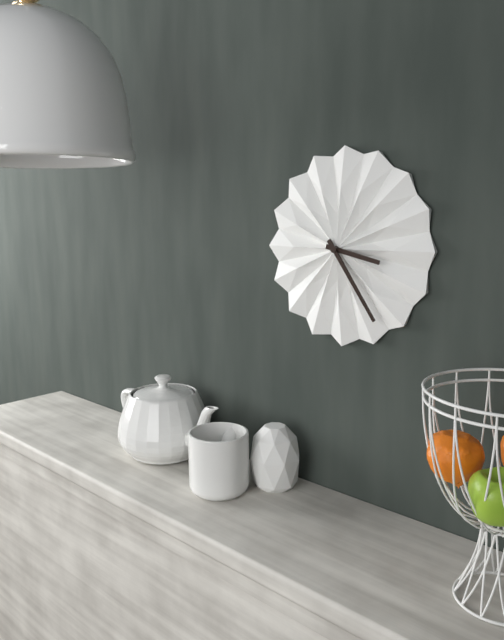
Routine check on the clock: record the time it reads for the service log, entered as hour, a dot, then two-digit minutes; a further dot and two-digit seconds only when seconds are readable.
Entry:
3.24
